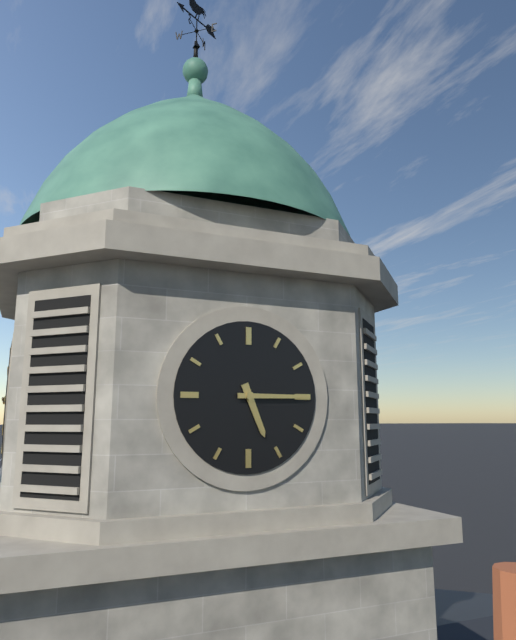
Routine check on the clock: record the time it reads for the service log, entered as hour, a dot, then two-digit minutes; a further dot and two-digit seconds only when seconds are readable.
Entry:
5.15
